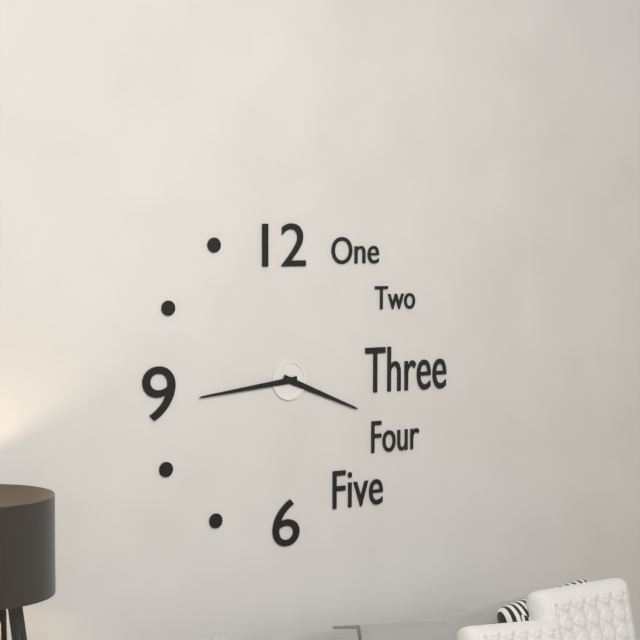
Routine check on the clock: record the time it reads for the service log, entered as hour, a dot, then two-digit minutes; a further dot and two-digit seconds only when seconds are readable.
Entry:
3.44
